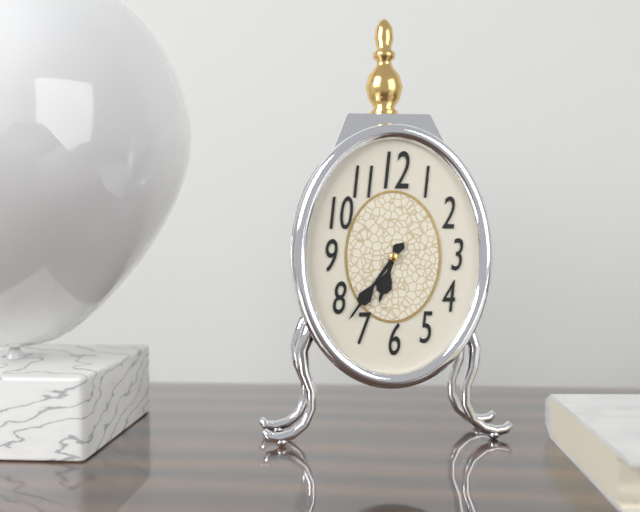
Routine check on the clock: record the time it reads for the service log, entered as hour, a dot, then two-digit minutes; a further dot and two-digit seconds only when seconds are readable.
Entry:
6.36
